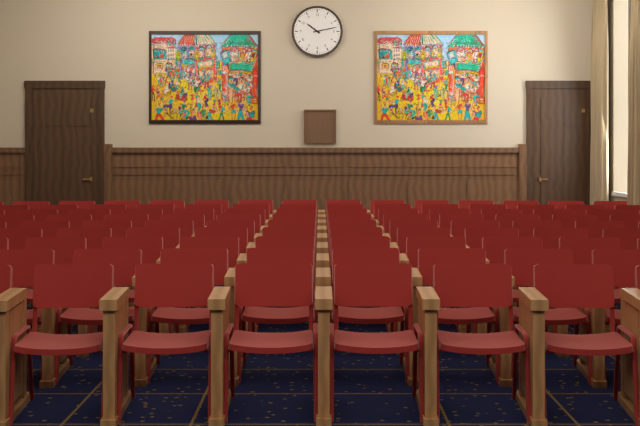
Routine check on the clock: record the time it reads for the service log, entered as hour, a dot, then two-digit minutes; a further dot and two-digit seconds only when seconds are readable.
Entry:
10.13
